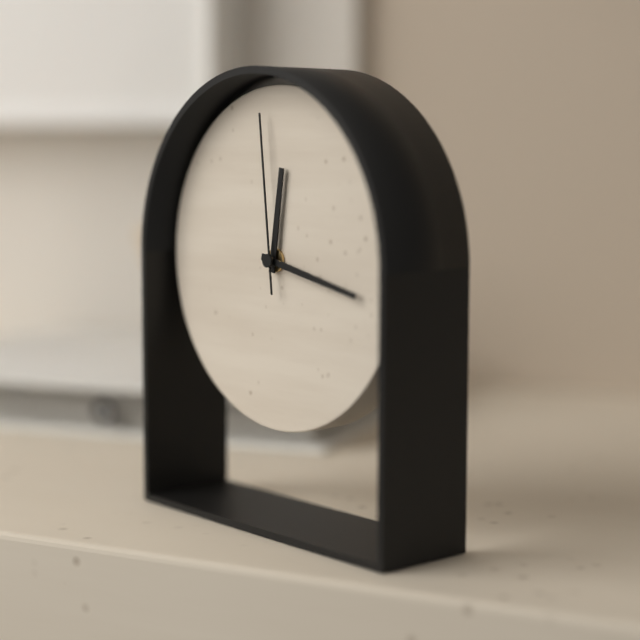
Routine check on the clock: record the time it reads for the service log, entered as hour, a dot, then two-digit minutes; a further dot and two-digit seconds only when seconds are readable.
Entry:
12.17.59
